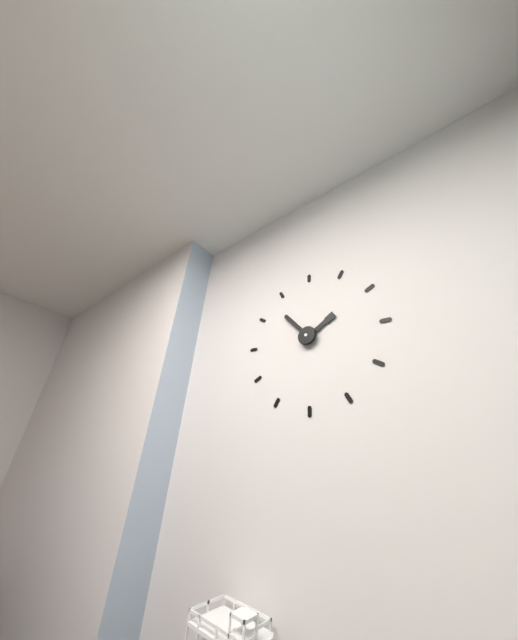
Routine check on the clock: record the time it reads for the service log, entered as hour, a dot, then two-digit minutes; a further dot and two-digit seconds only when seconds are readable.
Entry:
1.53
